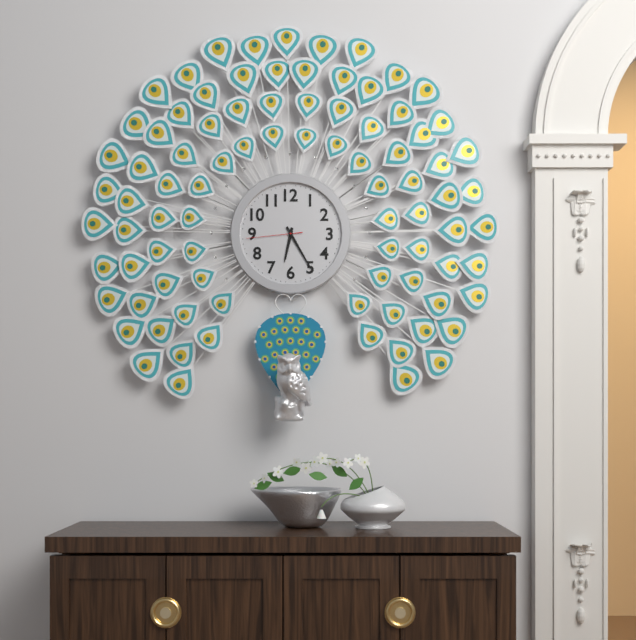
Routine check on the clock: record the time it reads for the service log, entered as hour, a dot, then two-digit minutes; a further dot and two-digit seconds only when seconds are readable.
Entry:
6.25.44
